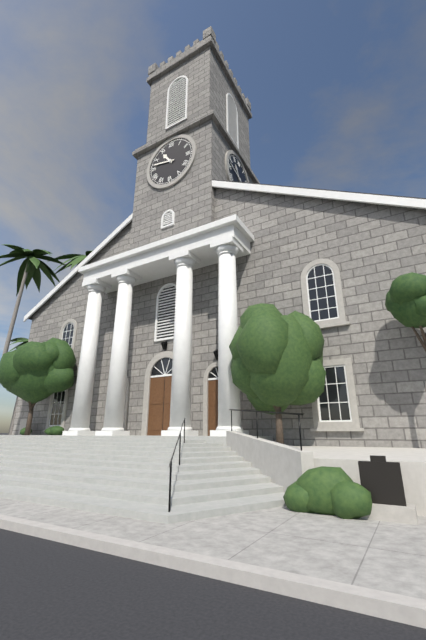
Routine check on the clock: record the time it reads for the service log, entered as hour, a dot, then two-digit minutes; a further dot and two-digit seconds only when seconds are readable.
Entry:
10.47
